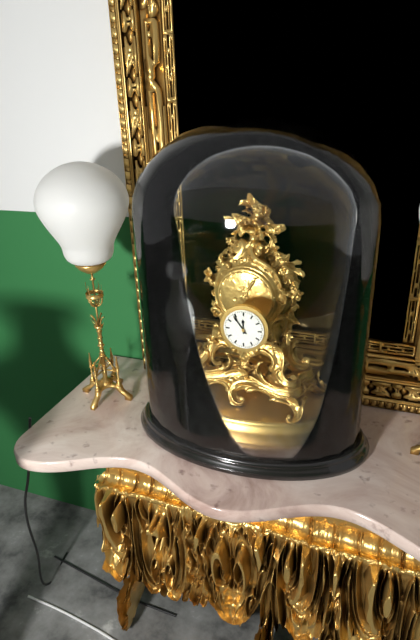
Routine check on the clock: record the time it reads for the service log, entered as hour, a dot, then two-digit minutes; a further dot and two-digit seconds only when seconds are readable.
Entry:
11.54
